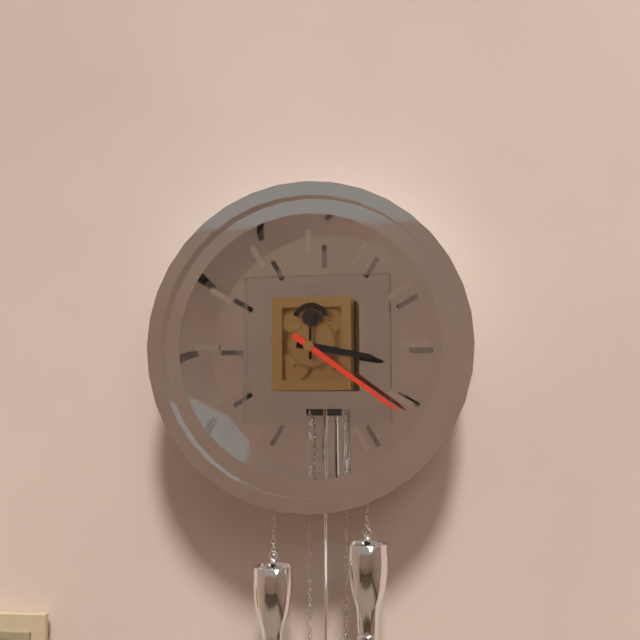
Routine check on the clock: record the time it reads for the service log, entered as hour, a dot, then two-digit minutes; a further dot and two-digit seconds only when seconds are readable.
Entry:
3.21
